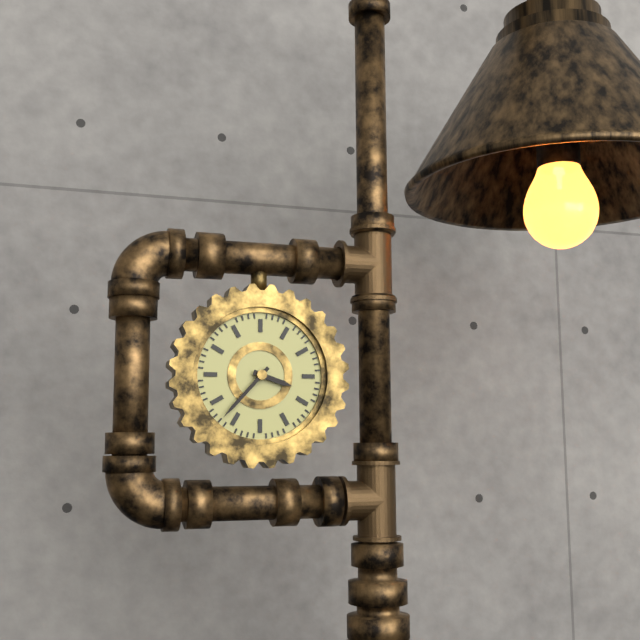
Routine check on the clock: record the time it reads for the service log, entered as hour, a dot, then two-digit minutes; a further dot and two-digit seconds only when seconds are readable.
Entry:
3.37
